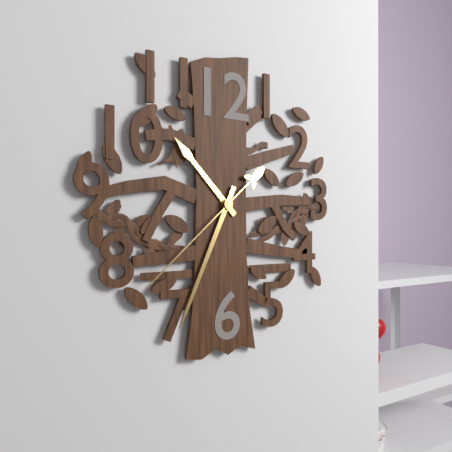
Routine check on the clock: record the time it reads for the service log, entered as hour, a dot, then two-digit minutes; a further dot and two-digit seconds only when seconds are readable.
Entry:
10.34.38
